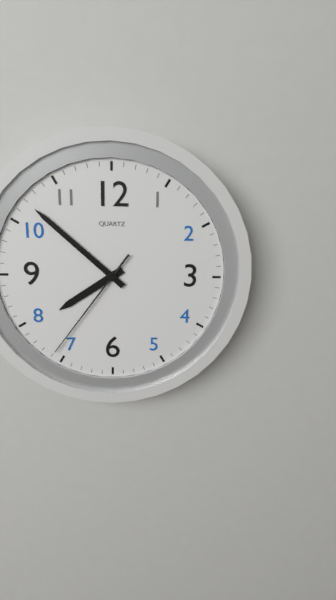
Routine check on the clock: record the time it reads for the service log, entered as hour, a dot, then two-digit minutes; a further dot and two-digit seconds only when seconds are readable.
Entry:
7.52.36
